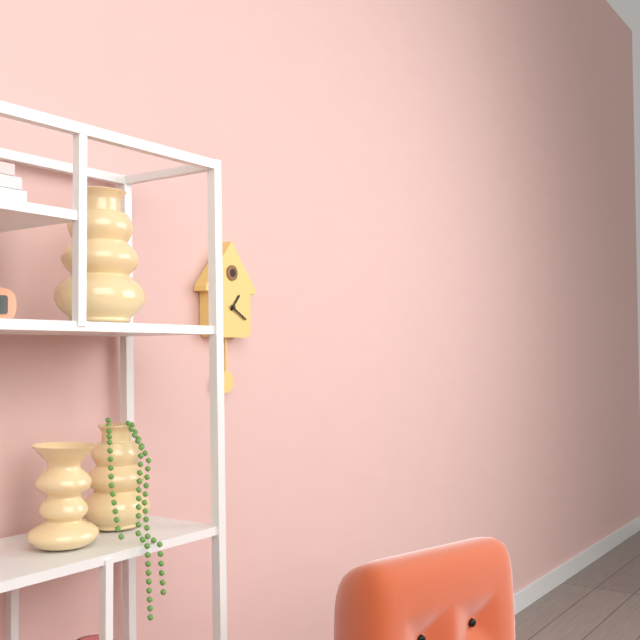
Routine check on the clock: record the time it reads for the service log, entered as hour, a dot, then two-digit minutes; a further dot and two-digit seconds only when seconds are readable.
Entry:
1.20
